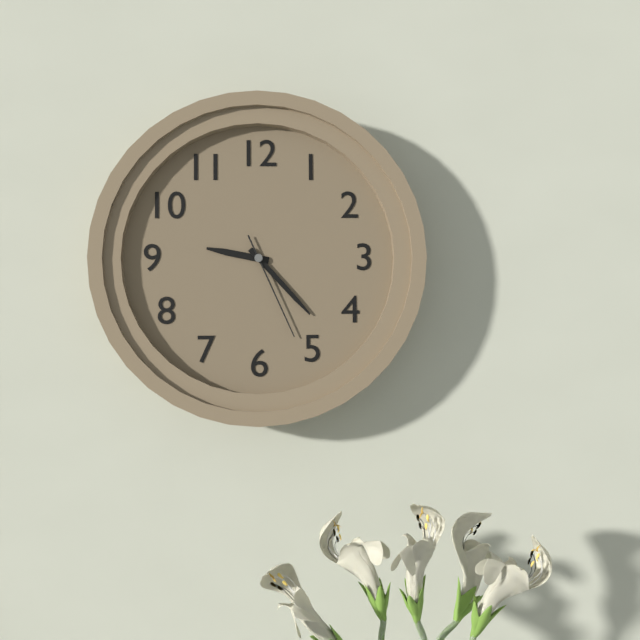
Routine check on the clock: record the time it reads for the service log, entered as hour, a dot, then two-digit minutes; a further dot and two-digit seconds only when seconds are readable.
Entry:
9.23.26
